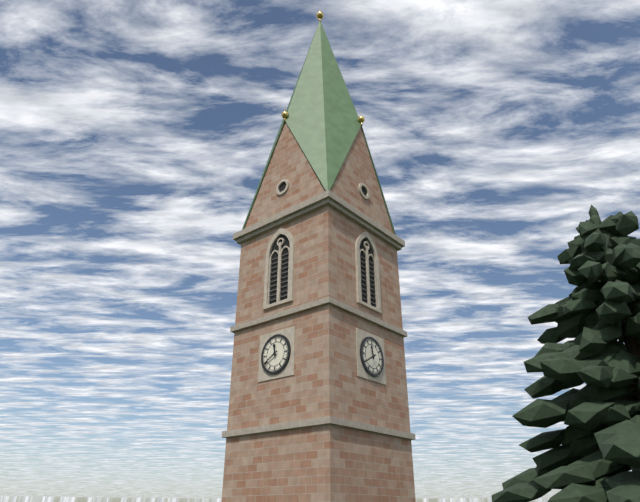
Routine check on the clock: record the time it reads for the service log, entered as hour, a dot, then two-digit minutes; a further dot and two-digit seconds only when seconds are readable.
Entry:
11.40
